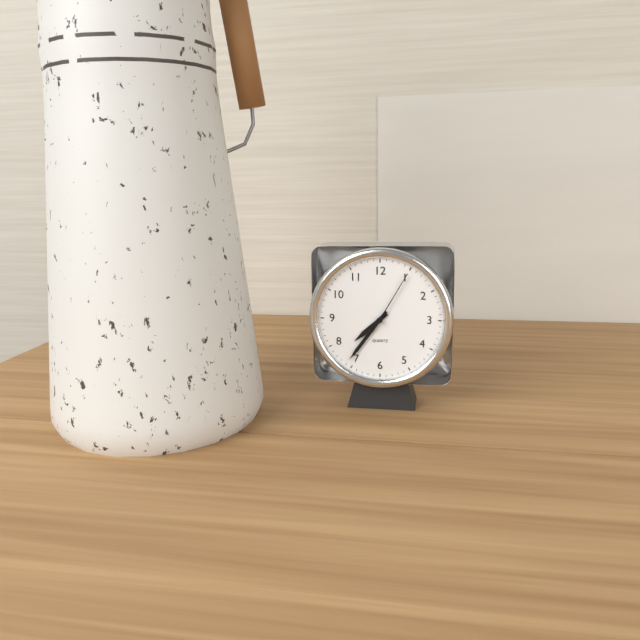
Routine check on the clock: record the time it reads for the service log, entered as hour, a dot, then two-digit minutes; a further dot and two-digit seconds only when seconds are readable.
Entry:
7.36.05
